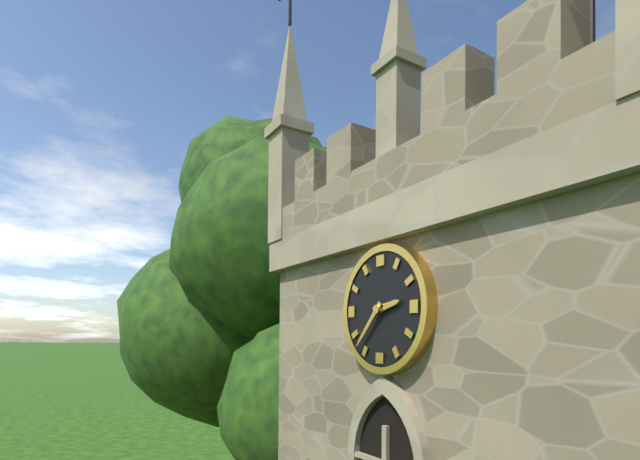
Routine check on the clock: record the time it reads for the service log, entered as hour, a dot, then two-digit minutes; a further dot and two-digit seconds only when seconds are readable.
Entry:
2.37
